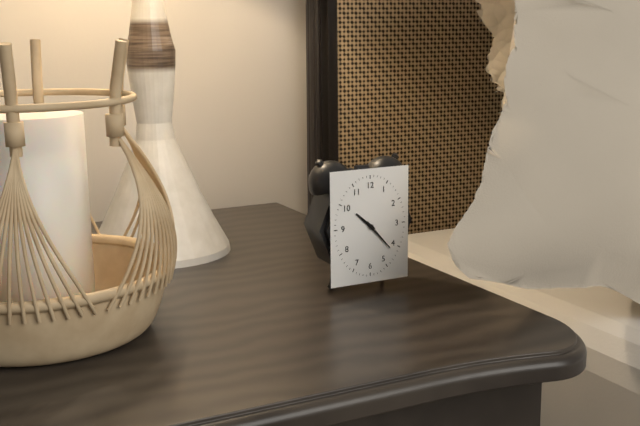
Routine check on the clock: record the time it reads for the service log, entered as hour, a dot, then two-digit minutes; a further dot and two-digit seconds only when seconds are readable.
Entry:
10.23
